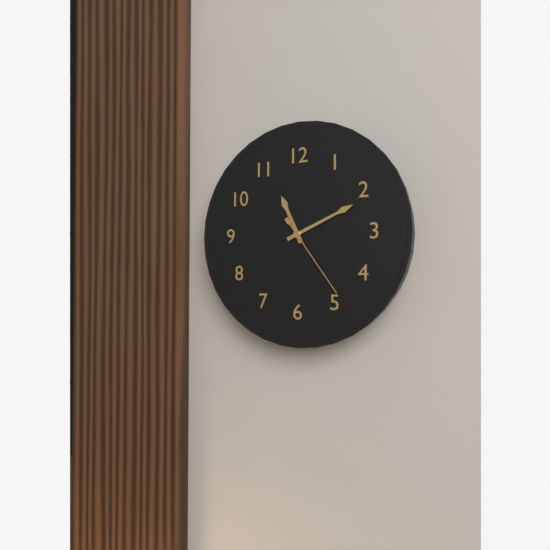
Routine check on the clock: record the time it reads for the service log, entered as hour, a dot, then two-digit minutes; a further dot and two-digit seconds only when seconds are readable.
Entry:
11.11.24
